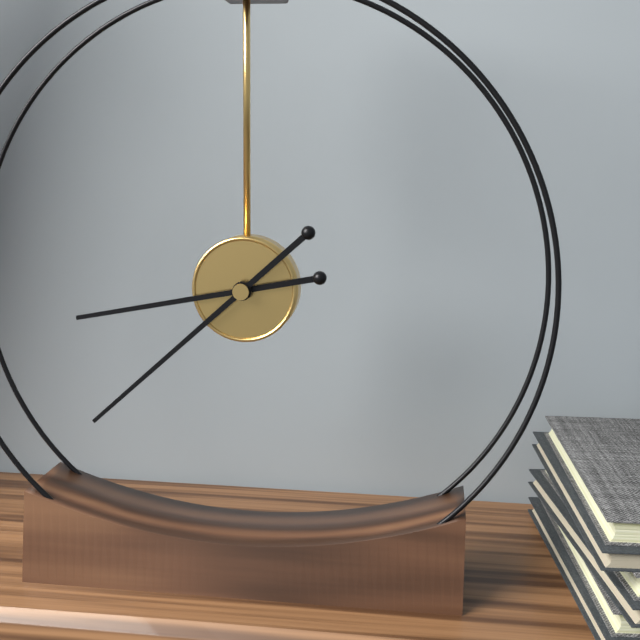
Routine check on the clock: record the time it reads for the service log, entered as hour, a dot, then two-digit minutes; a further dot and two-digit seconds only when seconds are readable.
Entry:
8.38
